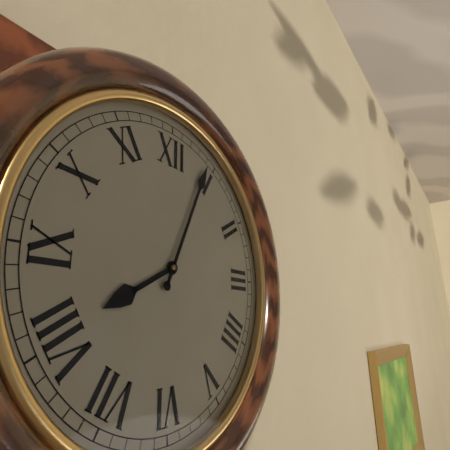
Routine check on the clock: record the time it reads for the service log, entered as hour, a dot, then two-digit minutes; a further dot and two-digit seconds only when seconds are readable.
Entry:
8.04
